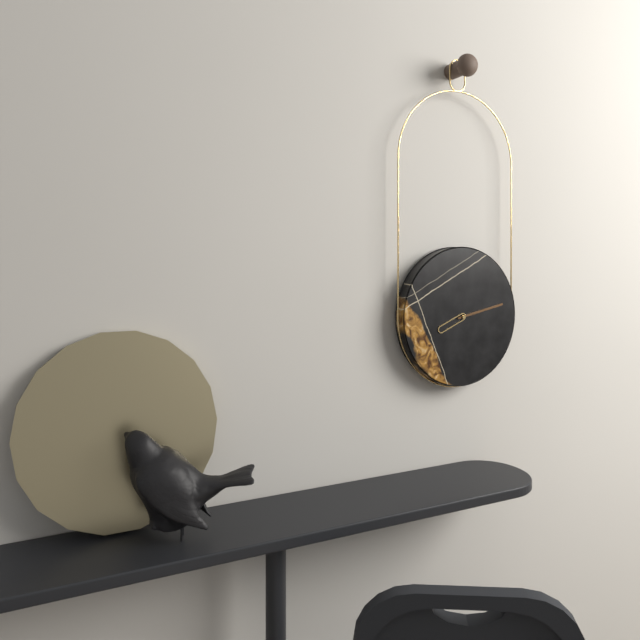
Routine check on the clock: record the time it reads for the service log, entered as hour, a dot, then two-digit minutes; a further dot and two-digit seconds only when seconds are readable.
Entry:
8.13
